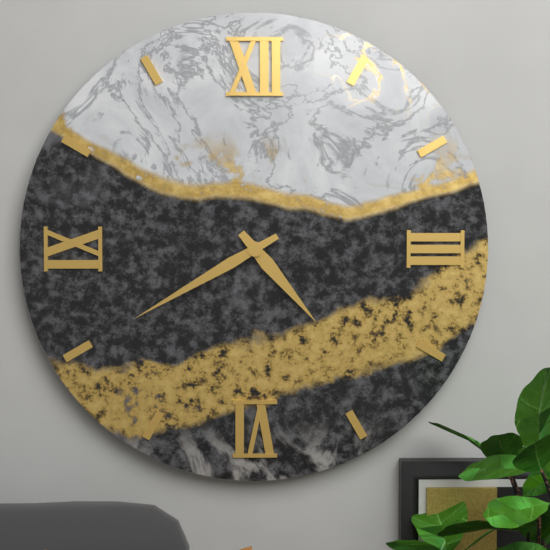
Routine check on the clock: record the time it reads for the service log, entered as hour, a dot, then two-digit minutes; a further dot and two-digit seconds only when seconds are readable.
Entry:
4.40
